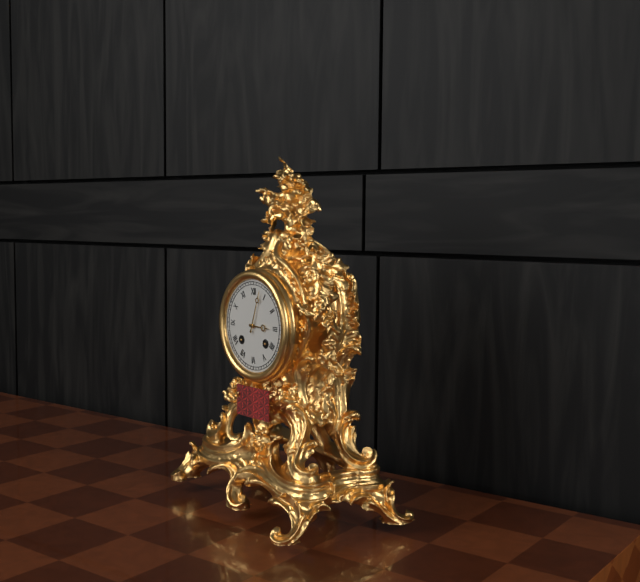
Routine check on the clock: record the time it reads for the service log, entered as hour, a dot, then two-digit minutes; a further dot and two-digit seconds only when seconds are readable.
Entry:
3.03
